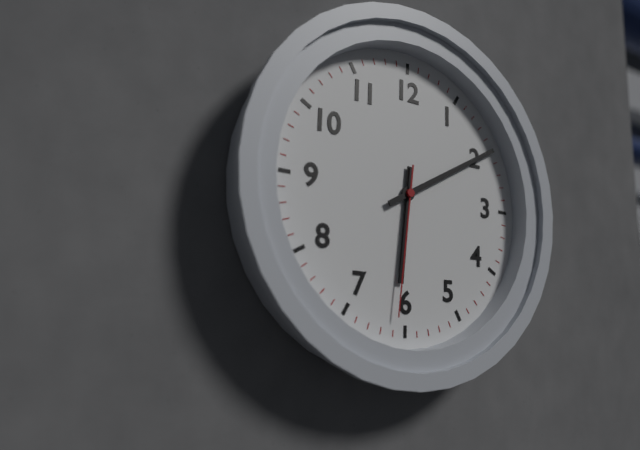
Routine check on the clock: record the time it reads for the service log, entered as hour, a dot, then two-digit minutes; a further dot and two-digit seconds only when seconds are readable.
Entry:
6.10.31
